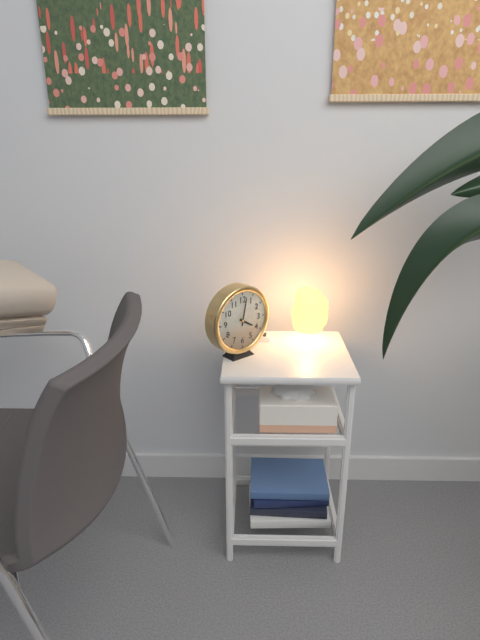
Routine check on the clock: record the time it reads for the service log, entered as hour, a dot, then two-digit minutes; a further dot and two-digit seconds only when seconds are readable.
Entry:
4.02
